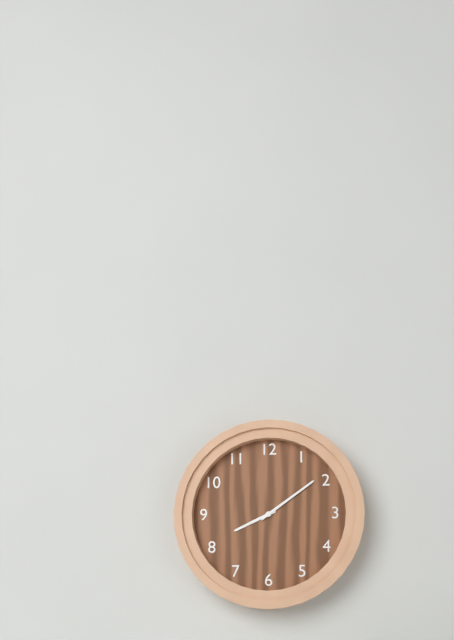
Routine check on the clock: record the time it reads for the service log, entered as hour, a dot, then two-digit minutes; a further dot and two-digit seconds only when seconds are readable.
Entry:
8.09
